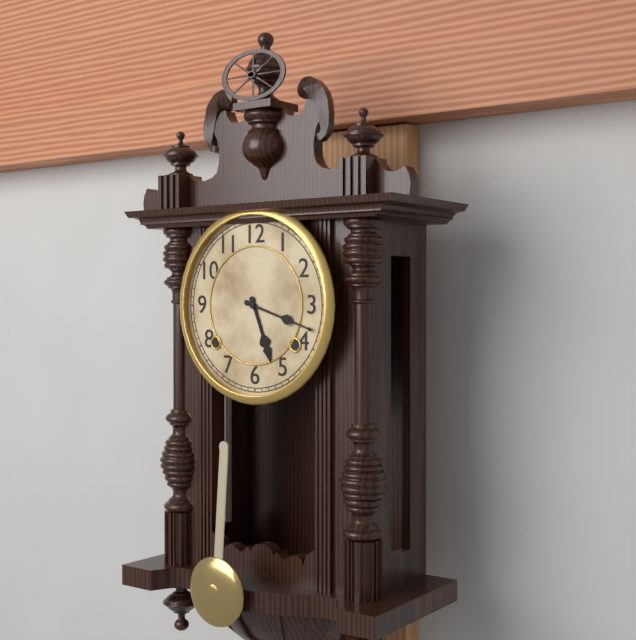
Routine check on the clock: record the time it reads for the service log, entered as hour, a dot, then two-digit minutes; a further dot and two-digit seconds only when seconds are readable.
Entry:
5.18
